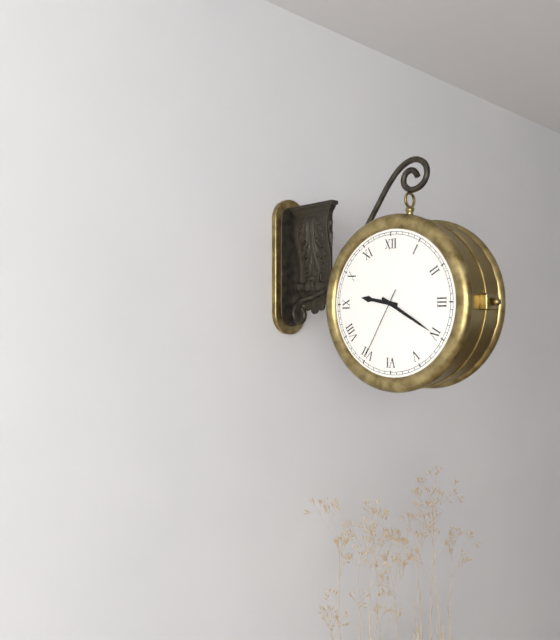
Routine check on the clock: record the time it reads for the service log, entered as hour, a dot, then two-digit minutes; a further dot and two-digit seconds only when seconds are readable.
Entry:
9.20.35
